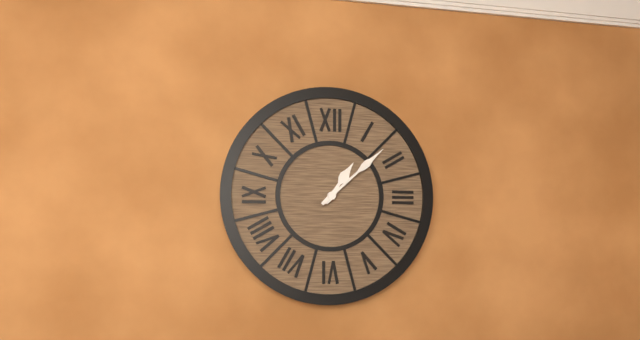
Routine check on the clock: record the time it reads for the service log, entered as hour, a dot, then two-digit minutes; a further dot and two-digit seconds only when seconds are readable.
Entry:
1.08
